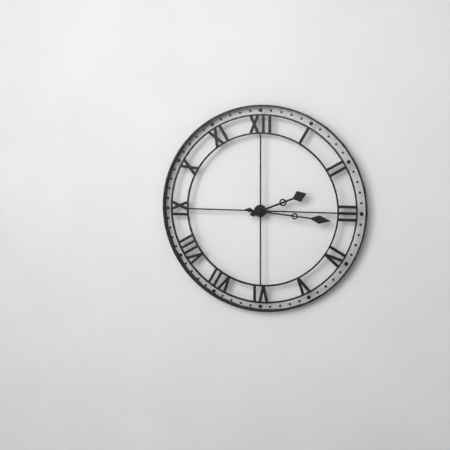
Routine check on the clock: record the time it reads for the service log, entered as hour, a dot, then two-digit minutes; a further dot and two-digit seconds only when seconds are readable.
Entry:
2.16
